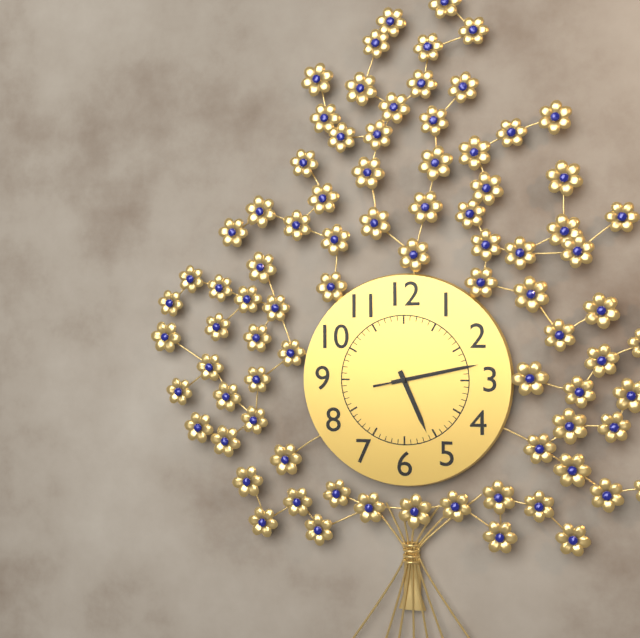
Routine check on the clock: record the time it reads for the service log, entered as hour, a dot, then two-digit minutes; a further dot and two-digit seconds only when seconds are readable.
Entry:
5.13.13
